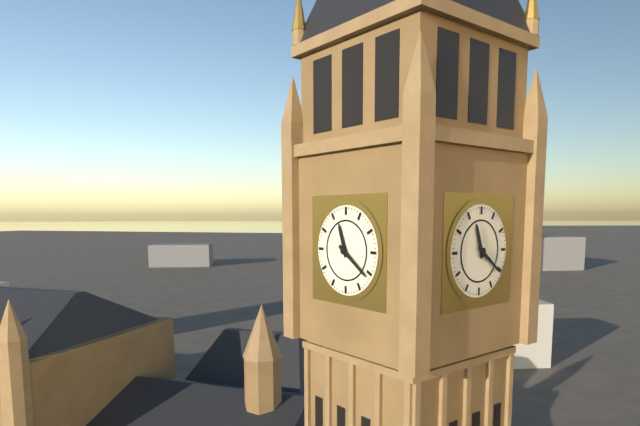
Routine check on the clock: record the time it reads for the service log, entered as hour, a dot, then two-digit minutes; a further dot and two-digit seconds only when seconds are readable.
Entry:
11.21
